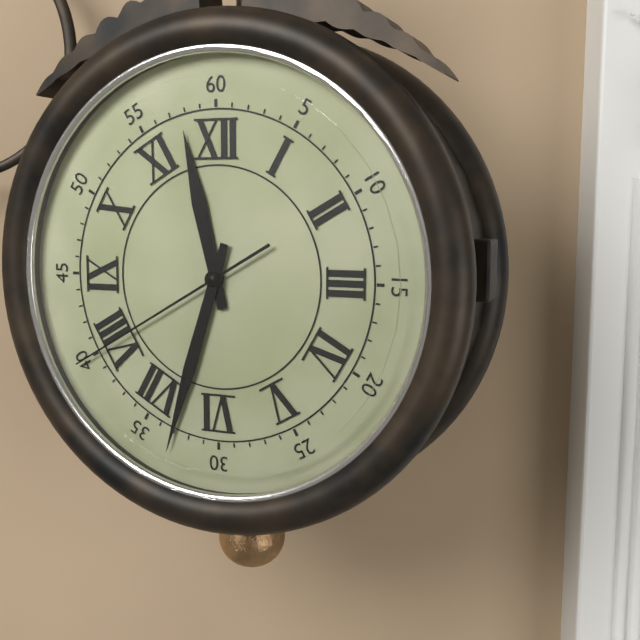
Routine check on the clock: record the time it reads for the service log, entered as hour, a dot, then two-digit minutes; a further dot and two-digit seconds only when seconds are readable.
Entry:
11.33.40
